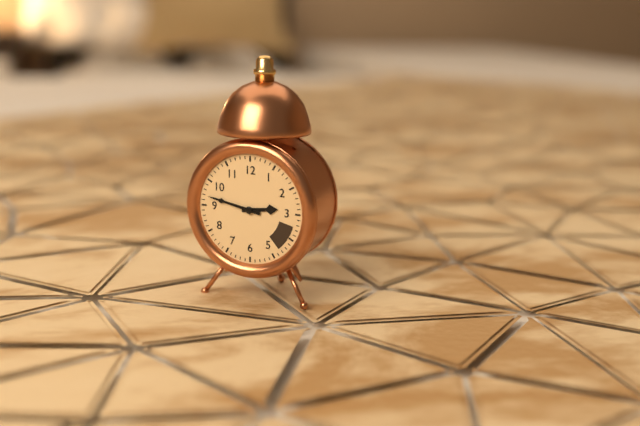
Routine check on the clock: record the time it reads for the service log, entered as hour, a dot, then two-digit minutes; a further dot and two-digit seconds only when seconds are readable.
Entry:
2.47
